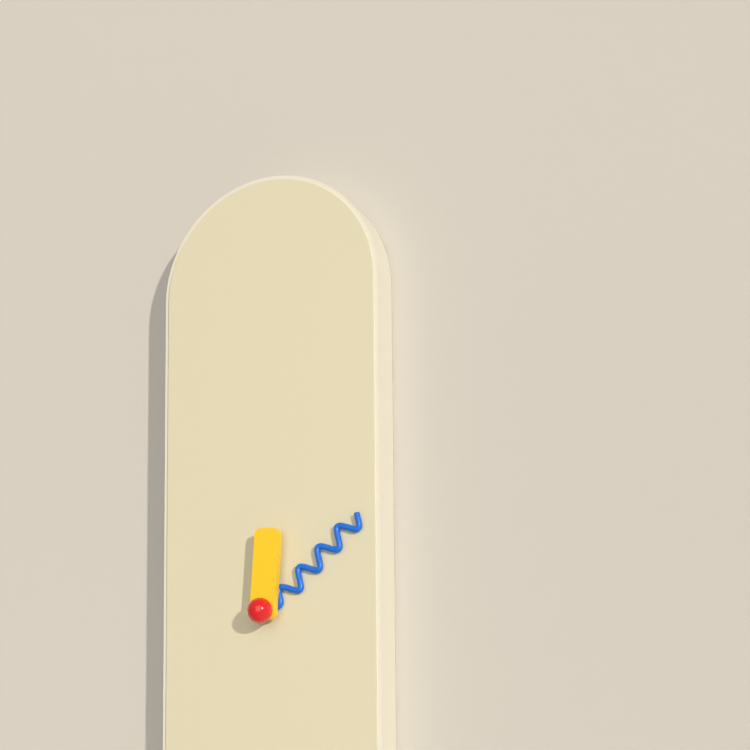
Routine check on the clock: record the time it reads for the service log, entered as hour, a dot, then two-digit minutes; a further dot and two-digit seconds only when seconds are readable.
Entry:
12.08
